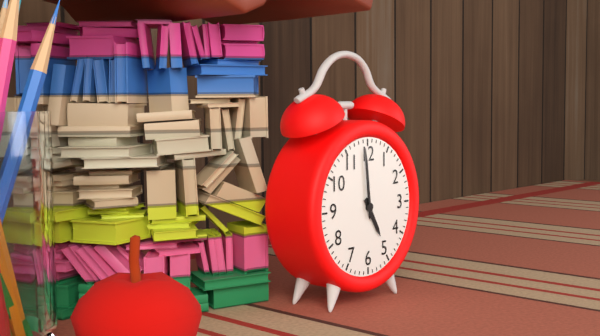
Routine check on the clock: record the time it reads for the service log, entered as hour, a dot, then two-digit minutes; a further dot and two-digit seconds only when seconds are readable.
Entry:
4.59
